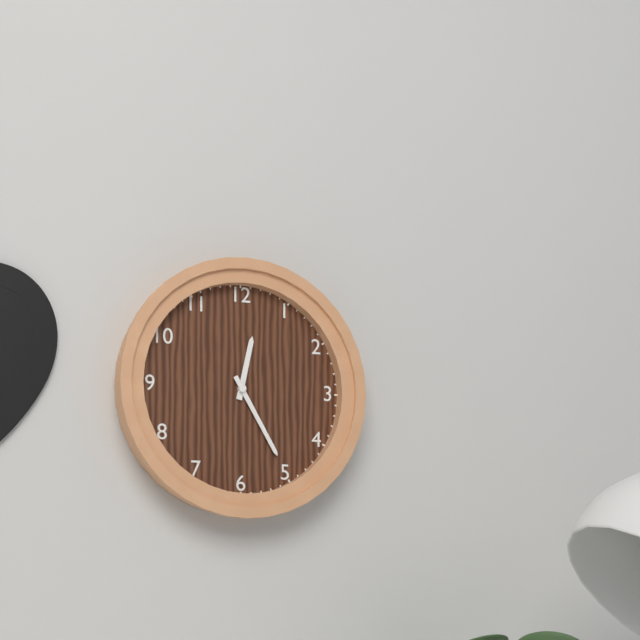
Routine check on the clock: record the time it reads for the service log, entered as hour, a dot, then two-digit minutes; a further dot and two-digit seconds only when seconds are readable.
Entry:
12.25
